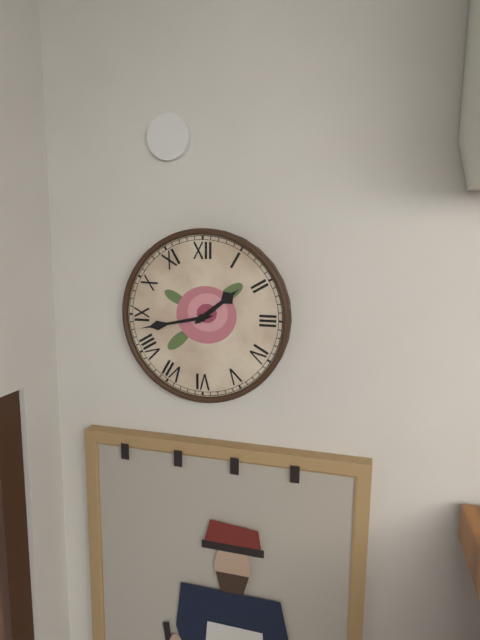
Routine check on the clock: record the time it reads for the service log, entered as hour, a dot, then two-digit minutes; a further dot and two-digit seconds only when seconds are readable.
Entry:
1.43
